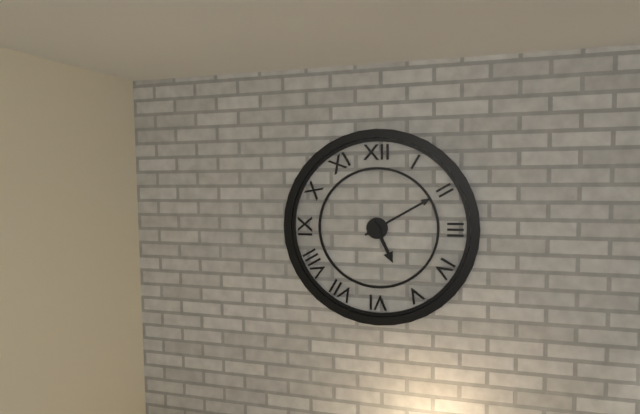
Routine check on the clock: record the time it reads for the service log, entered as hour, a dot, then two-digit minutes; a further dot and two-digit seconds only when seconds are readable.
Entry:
5.10
